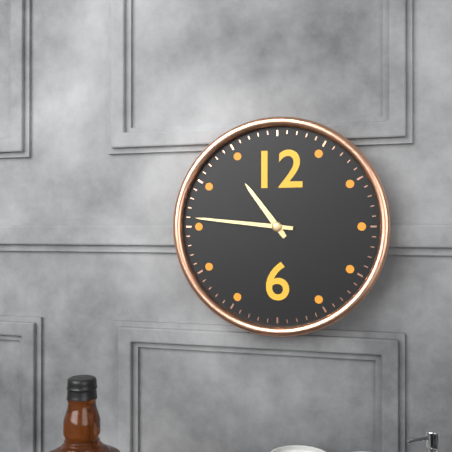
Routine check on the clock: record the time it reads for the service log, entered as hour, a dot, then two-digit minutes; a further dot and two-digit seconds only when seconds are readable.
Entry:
10.46
